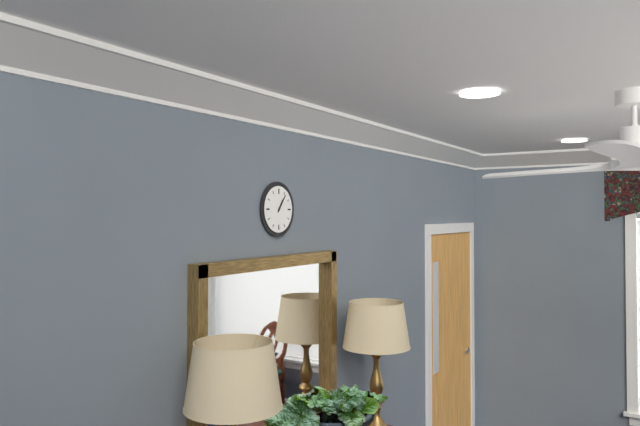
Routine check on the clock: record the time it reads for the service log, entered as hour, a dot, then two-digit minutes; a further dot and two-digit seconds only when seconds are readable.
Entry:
1.06
